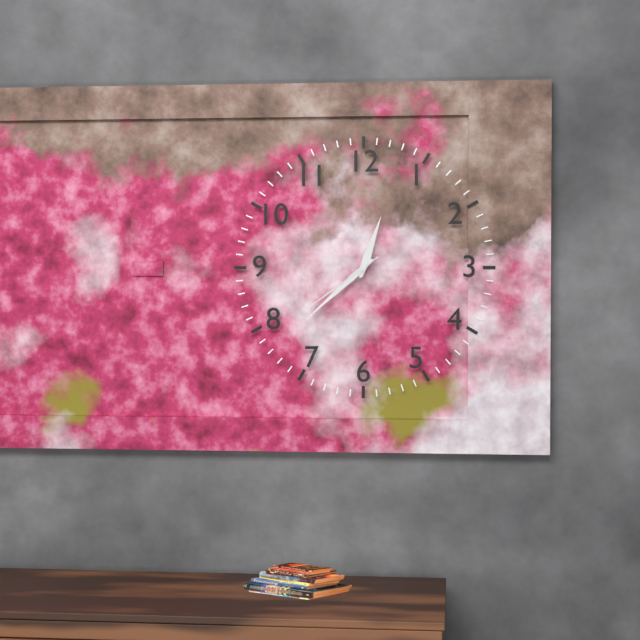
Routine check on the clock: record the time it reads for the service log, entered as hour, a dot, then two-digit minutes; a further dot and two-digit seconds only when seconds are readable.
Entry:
12.38.39
